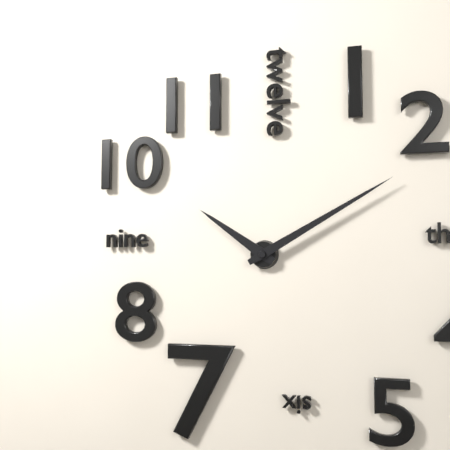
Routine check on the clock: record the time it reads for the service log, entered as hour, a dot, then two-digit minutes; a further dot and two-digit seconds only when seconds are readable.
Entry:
10.10
